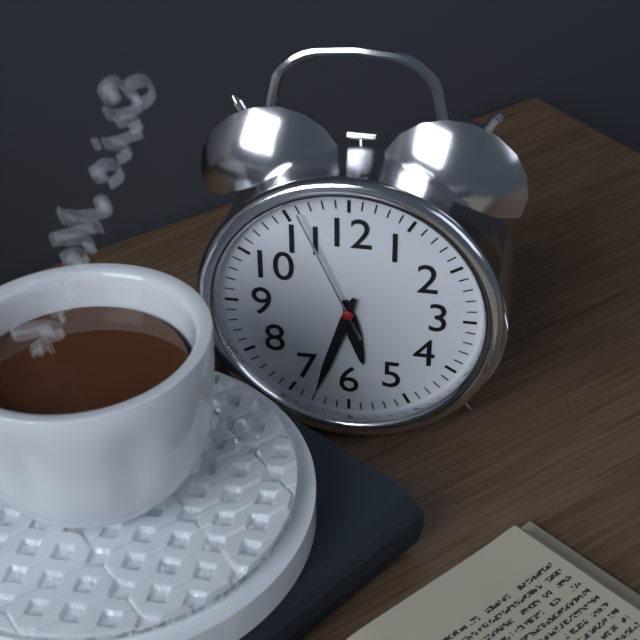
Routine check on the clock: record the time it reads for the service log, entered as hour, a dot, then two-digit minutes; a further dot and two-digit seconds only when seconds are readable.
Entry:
5.33.56
